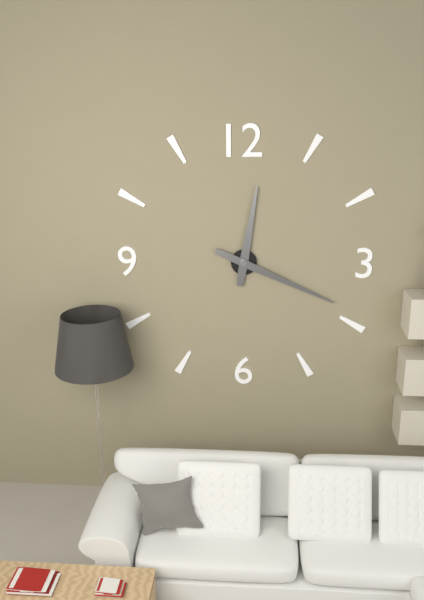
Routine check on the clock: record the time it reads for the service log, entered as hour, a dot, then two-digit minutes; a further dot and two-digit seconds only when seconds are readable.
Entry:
12.19
